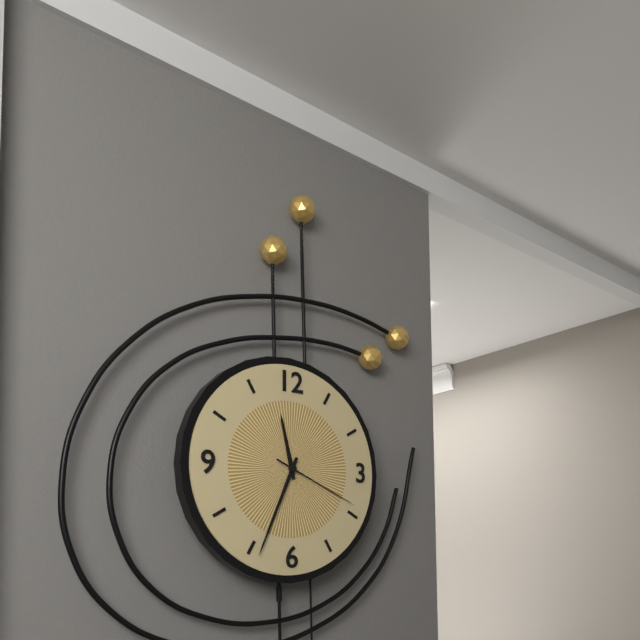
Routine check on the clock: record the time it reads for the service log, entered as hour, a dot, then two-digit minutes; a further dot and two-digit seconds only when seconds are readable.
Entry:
11.34.19
